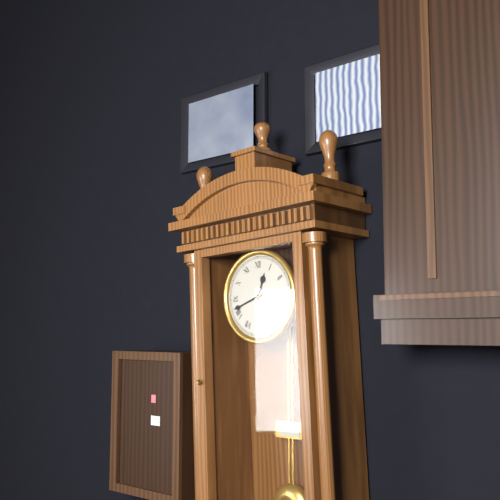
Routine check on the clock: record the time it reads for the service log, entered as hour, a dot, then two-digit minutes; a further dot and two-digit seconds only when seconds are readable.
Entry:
12.42
